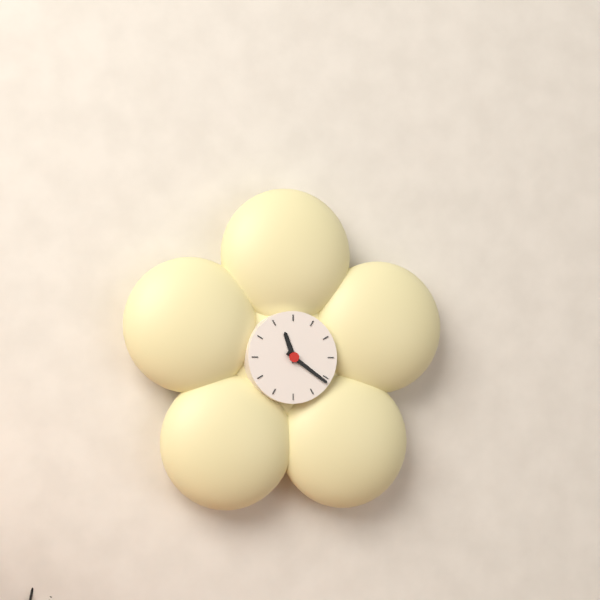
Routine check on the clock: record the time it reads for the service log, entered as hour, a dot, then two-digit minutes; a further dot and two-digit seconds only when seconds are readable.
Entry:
11.21
